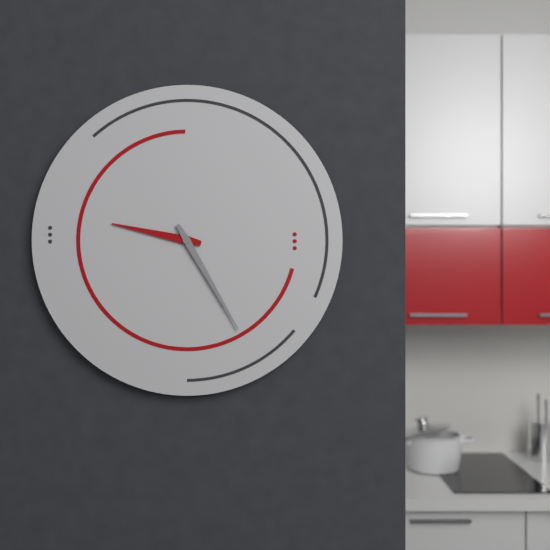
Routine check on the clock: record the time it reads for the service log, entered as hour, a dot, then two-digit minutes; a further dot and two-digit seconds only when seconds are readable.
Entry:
9.25
